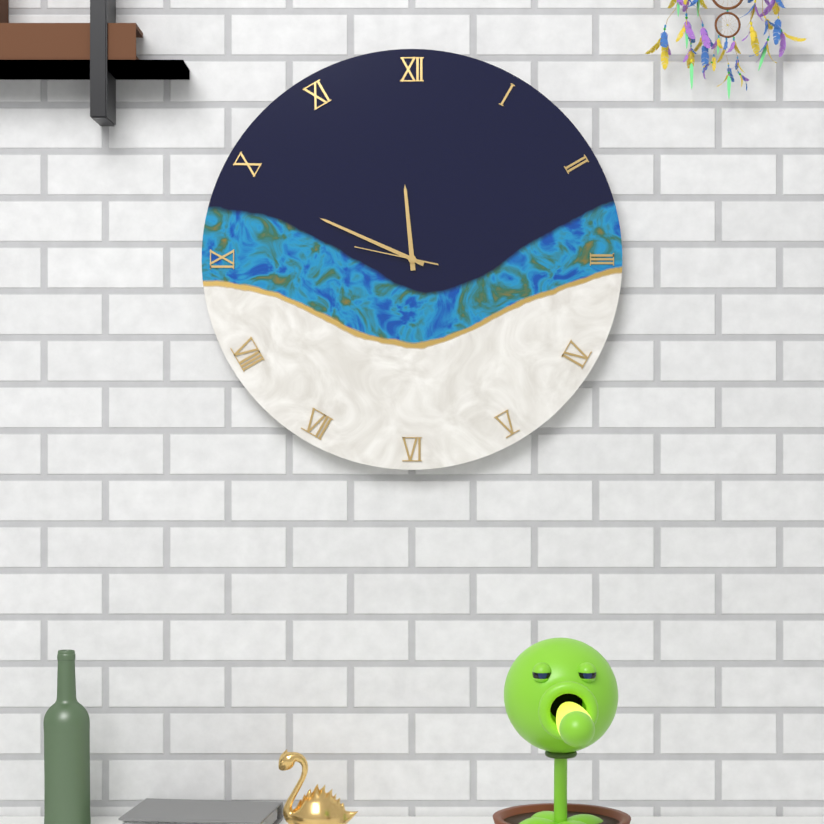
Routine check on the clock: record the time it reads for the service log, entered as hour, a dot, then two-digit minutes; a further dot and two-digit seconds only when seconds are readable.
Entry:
11.49.47
